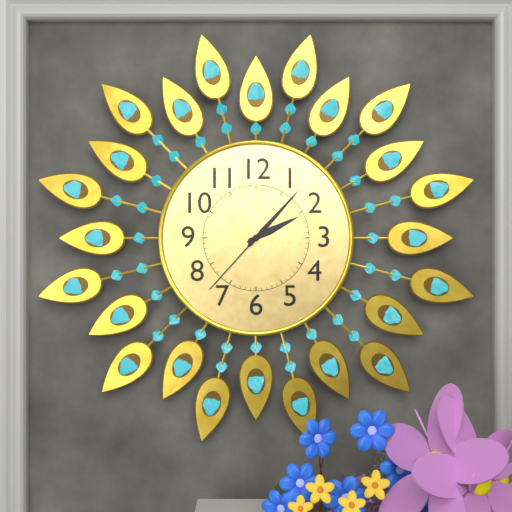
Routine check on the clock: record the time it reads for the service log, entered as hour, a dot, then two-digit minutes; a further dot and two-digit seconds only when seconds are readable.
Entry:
2.07.37
